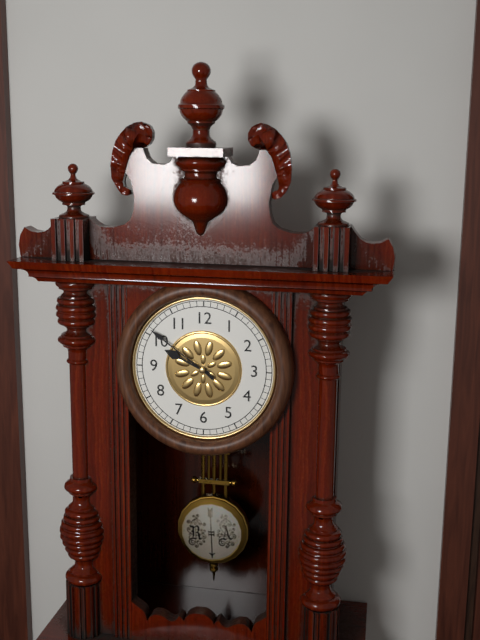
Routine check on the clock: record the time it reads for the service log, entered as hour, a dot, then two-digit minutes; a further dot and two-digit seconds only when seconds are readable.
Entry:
9.51
